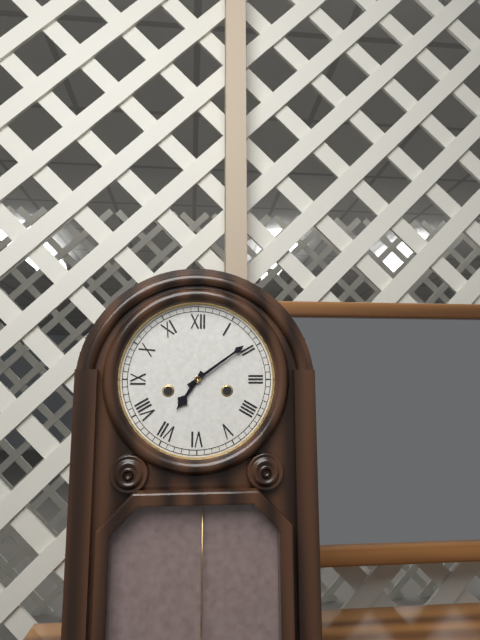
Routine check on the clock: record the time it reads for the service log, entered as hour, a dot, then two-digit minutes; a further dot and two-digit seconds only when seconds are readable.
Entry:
7.09
